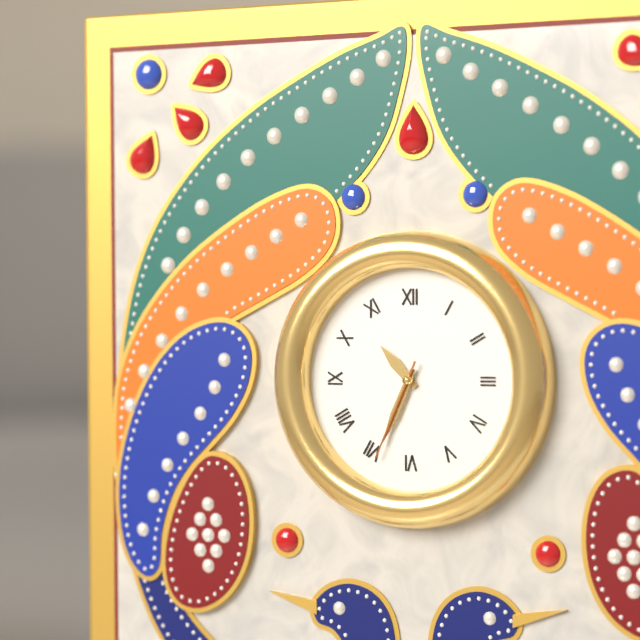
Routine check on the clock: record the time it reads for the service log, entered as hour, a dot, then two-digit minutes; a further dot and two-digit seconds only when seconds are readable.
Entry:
10.34.34
